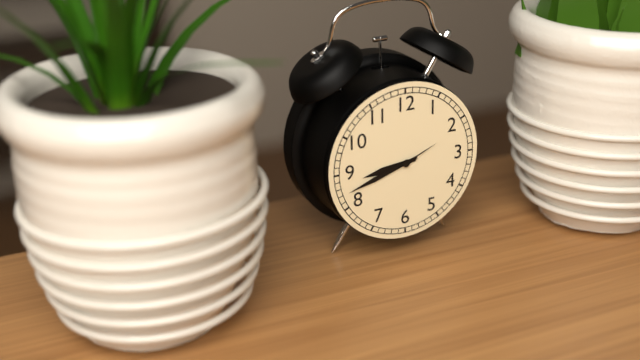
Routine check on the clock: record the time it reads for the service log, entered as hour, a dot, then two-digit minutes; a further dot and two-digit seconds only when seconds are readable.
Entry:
8.42
